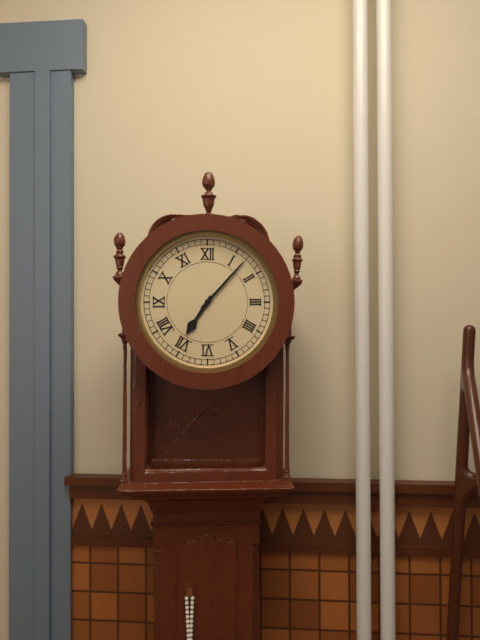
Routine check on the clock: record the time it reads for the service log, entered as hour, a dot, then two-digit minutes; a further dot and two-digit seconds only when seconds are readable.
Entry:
7.07
